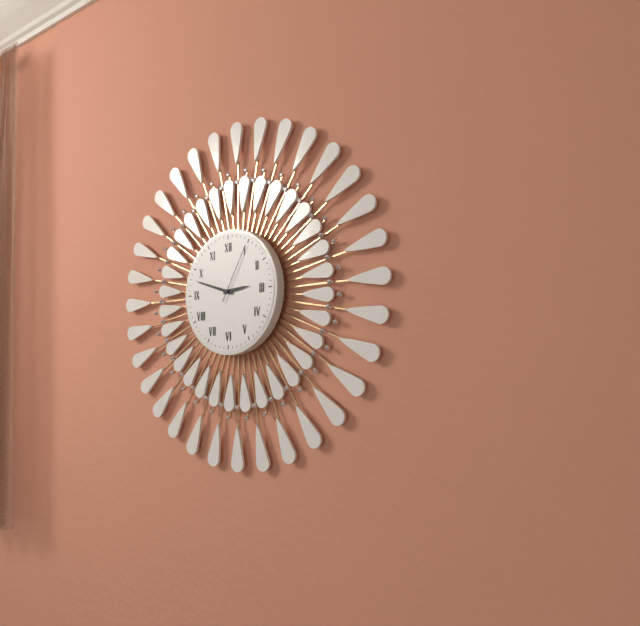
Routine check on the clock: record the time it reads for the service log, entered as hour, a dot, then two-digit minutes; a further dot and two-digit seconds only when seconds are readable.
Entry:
2.48.05
